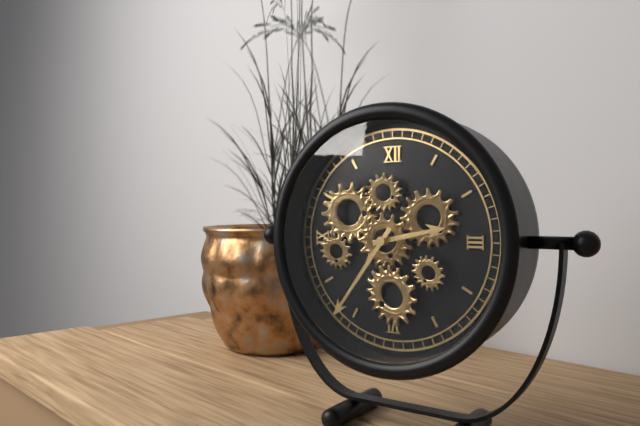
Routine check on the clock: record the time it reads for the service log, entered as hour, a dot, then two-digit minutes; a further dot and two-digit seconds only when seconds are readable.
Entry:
2.36
